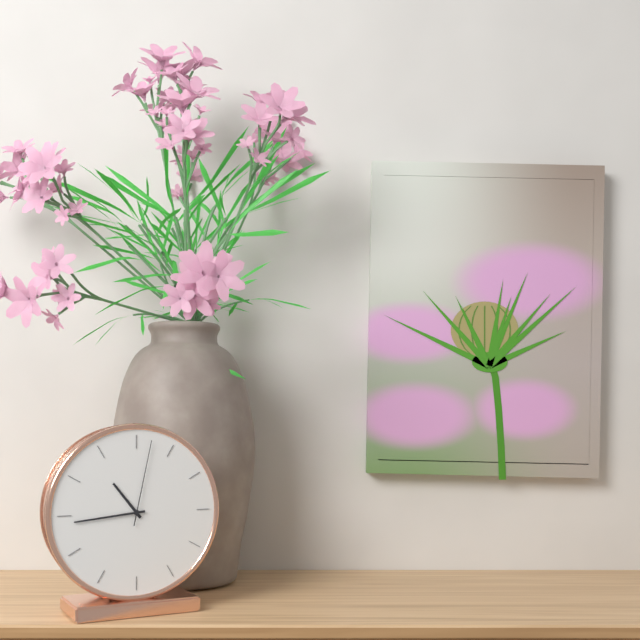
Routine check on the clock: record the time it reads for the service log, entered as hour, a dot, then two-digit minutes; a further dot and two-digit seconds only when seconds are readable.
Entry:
10.44.02
